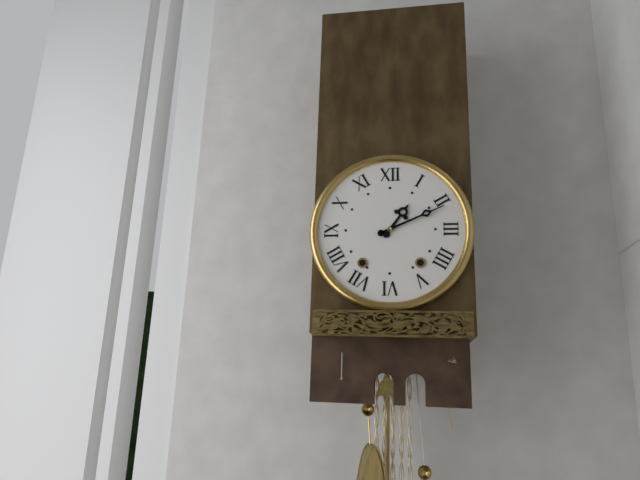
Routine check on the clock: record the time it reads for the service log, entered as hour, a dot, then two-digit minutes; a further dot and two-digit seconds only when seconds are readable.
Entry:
1.11
